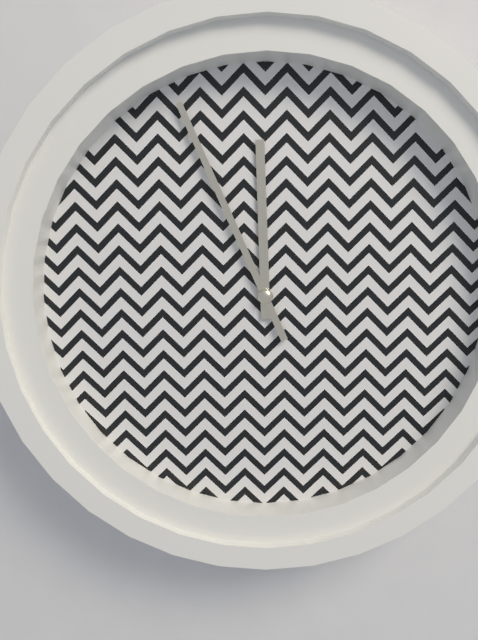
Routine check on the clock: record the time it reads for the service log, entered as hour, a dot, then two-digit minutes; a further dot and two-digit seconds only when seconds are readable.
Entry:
11.56
